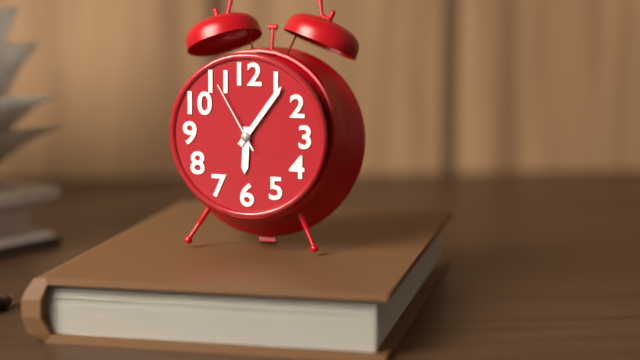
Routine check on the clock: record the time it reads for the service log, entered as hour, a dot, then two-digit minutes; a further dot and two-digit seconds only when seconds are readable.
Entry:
6.06.55
